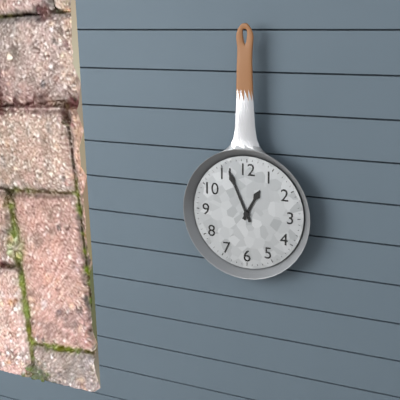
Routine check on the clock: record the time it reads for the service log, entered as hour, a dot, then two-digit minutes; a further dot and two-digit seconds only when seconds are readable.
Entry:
12.56
